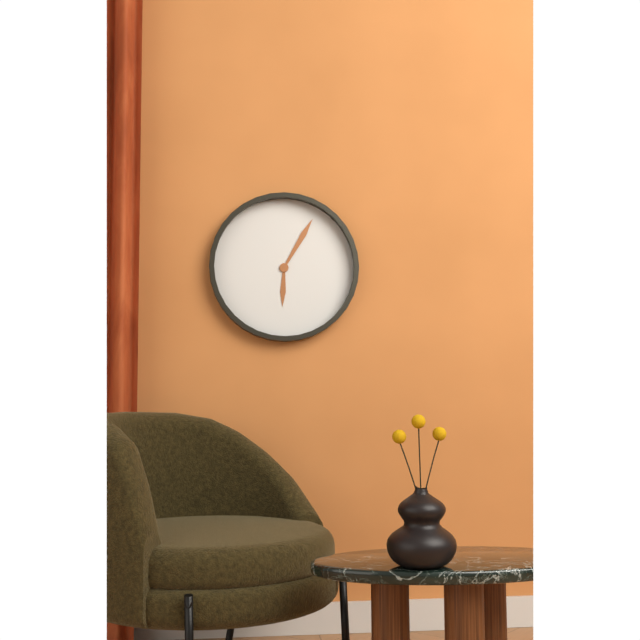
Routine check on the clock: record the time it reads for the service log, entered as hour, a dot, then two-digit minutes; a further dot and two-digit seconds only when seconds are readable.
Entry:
6.05
